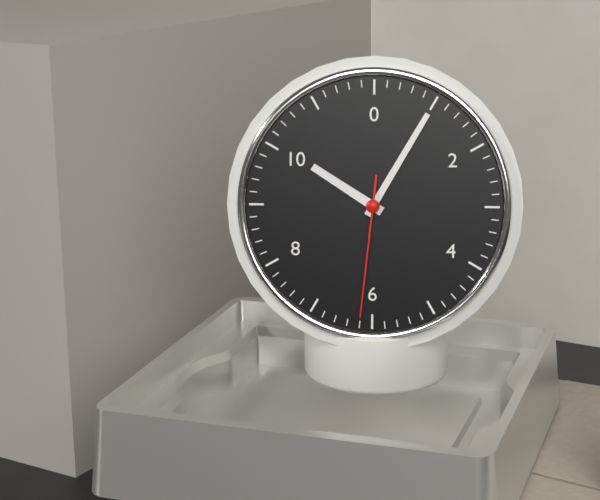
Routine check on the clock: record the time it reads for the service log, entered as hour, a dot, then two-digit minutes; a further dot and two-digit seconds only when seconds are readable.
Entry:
10.05.31
